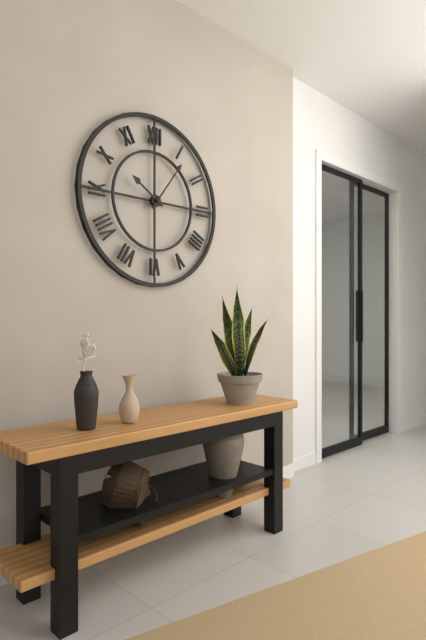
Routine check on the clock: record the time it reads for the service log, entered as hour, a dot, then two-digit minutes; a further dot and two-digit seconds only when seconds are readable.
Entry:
10.06
